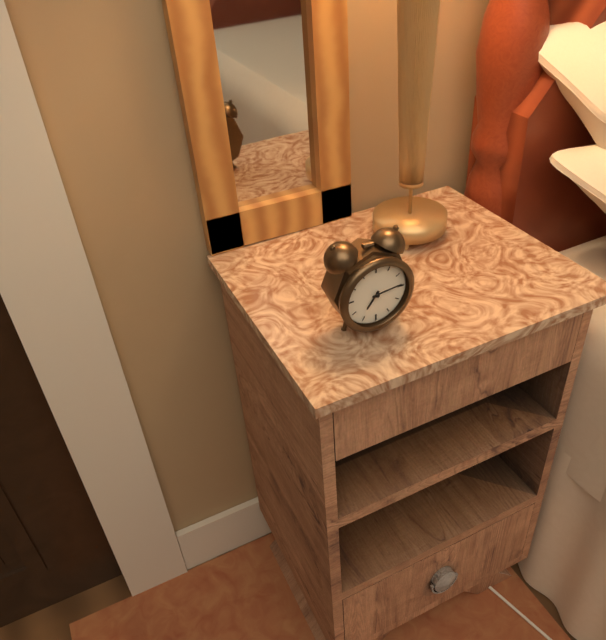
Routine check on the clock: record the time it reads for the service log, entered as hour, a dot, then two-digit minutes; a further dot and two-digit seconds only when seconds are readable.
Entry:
7.14
